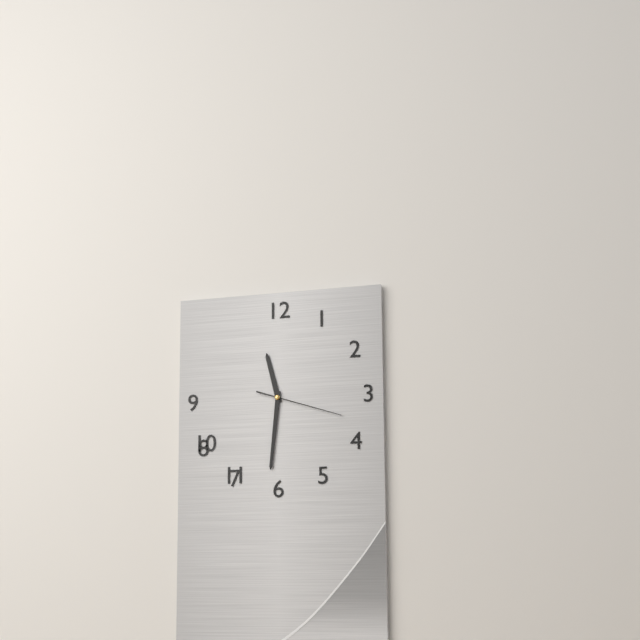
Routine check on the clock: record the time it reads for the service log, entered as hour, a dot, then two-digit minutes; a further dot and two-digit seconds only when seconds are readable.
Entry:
11.31.18
